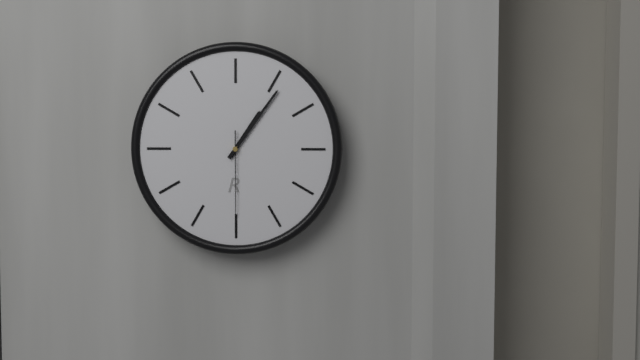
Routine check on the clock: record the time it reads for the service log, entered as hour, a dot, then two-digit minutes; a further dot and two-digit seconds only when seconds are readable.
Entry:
1.06.30
